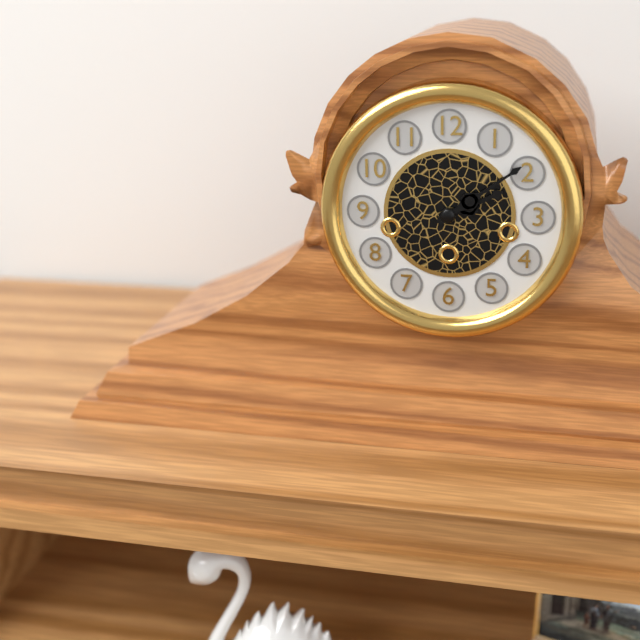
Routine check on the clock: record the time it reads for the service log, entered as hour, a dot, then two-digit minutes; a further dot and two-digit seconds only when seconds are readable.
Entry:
2.09
